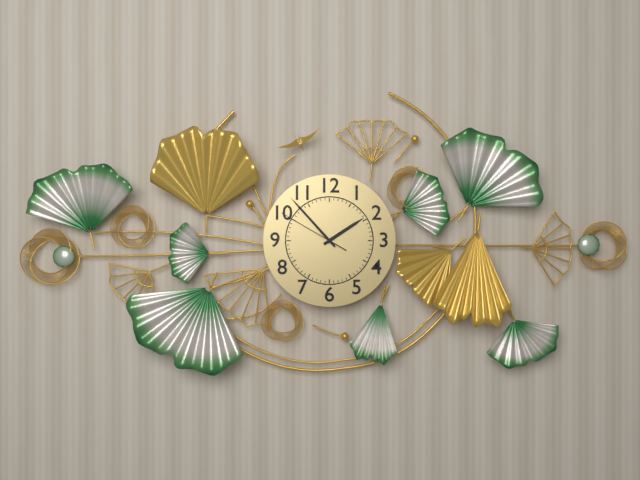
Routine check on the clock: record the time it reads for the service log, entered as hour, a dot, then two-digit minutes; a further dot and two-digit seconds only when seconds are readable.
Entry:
1.53.50
